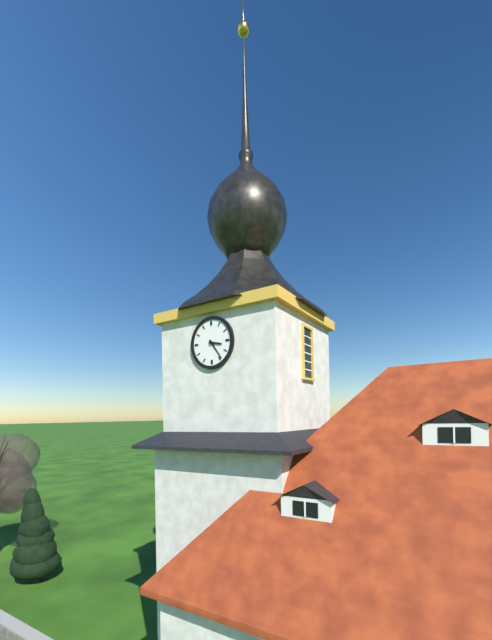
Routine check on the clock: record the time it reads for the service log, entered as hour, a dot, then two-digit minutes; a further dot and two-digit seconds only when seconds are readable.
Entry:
3.24
